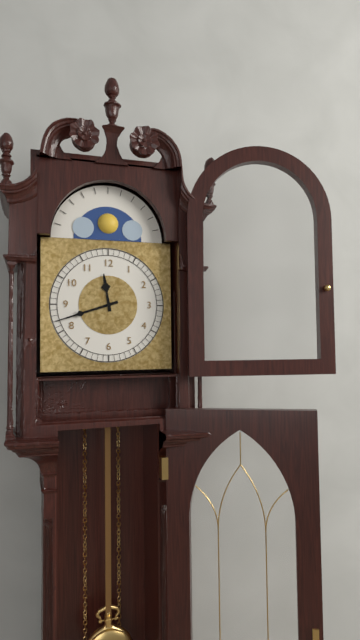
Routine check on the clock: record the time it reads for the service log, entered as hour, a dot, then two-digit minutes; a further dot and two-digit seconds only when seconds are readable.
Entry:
11.42
